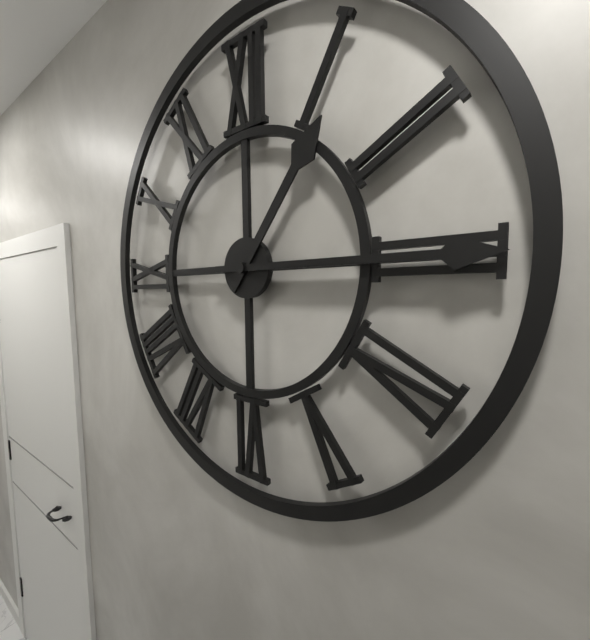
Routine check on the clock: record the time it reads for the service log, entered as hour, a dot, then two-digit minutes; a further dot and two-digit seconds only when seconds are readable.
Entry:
1.15
